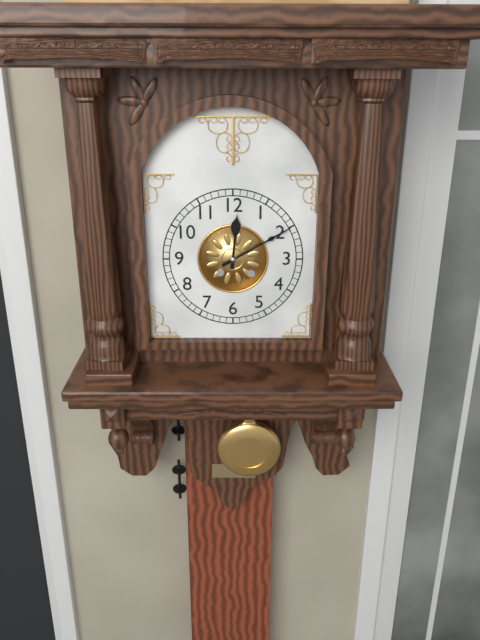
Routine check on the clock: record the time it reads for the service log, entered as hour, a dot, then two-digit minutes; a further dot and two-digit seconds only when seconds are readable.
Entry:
12.10
